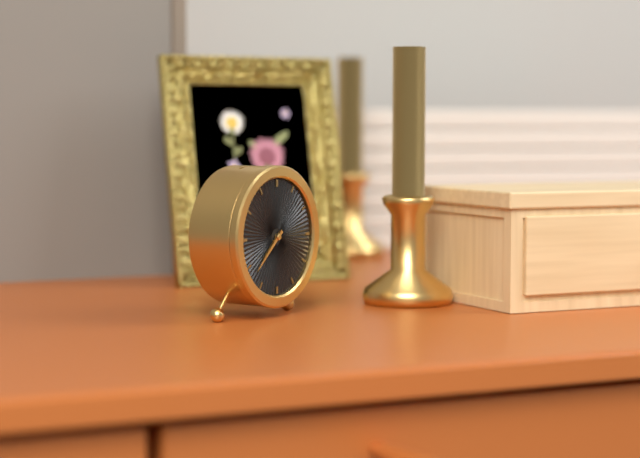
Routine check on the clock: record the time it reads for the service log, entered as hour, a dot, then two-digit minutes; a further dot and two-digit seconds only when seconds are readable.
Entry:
7.38
